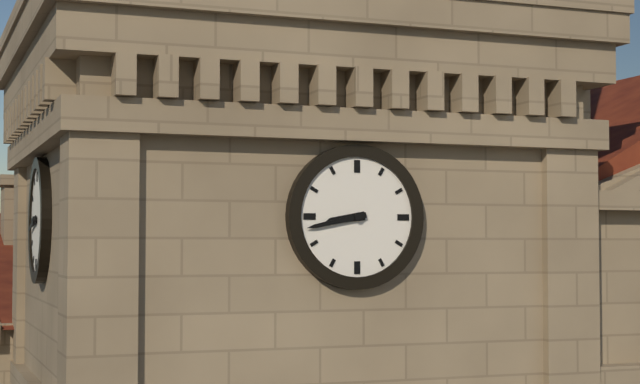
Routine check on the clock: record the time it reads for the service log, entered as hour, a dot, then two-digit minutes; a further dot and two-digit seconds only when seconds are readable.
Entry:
8.43
